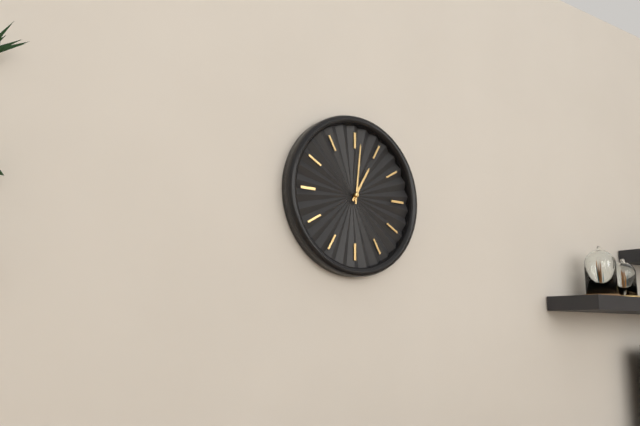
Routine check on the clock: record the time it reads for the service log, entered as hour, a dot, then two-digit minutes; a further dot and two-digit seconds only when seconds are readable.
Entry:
1.01
